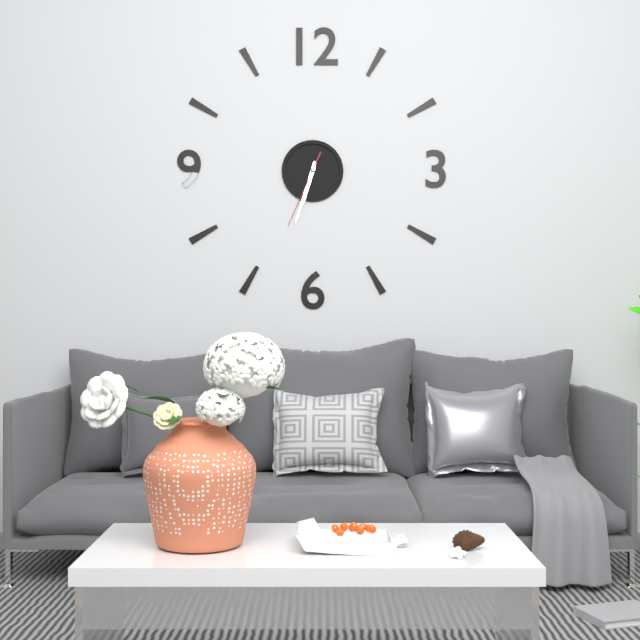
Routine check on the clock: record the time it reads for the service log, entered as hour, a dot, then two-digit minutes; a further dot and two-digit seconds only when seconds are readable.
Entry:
6.33.34
